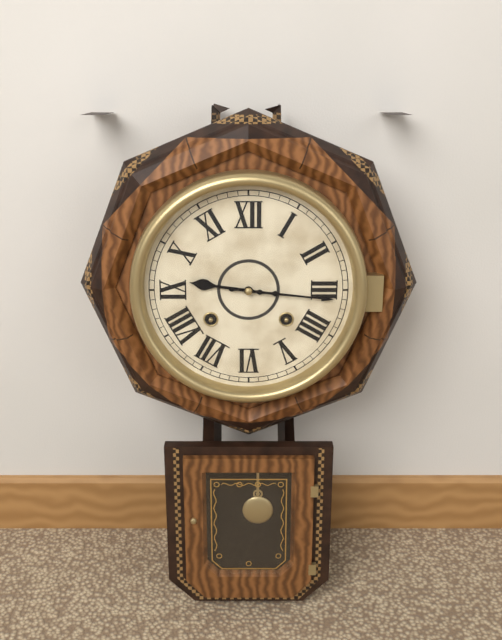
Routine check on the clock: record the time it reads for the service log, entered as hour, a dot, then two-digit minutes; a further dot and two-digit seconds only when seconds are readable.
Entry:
9.16
